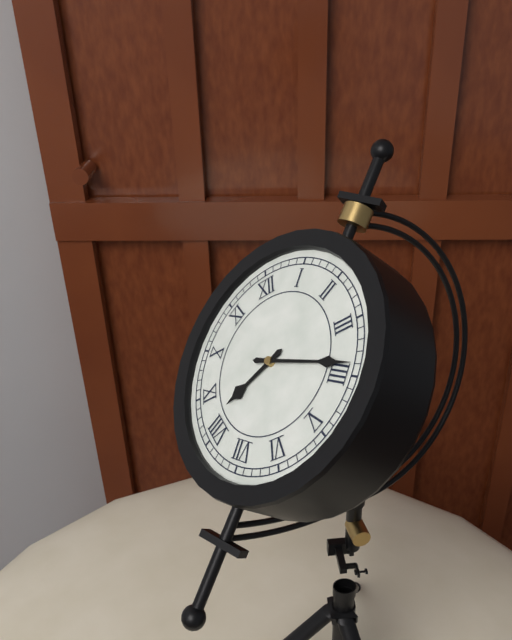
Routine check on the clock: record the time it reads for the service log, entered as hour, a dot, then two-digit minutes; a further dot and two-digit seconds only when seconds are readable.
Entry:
8.19
